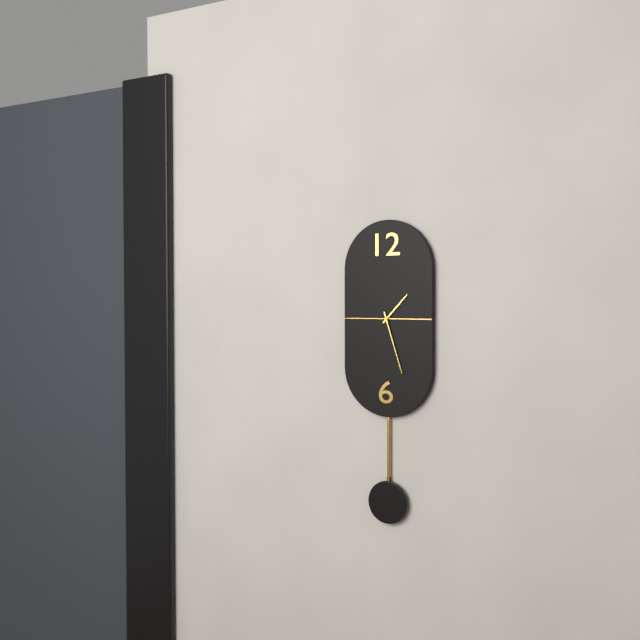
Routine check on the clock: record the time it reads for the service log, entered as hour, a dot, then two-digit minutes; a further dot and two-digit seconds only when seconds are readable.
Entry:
1.27
